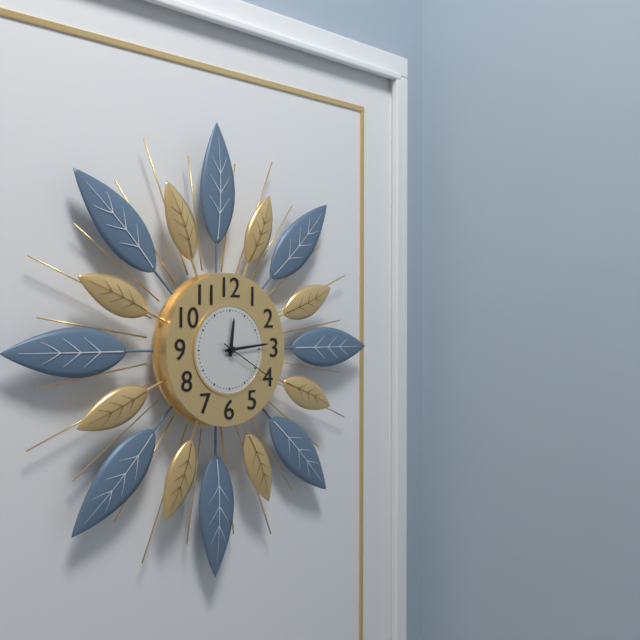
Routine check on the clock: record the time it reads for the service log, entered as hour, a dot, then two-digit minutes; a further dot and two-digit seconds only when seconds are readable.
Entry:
12.14.20
